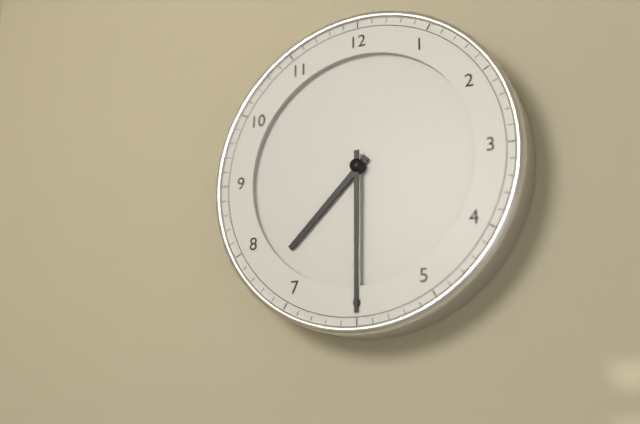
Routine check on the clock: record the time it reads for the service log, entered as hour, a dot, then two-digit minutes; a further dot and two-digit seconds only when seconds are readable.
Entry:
7.30
